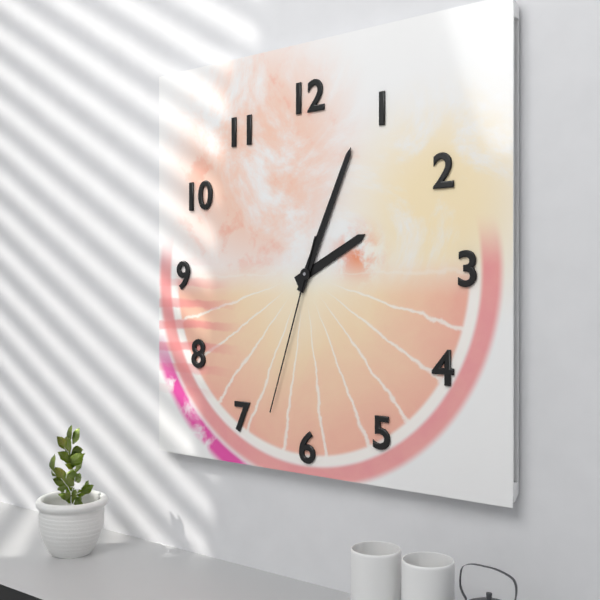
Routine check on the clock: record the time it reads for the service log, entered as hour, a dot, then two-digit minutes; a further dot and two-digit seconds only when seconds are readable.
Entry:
2.04.33
